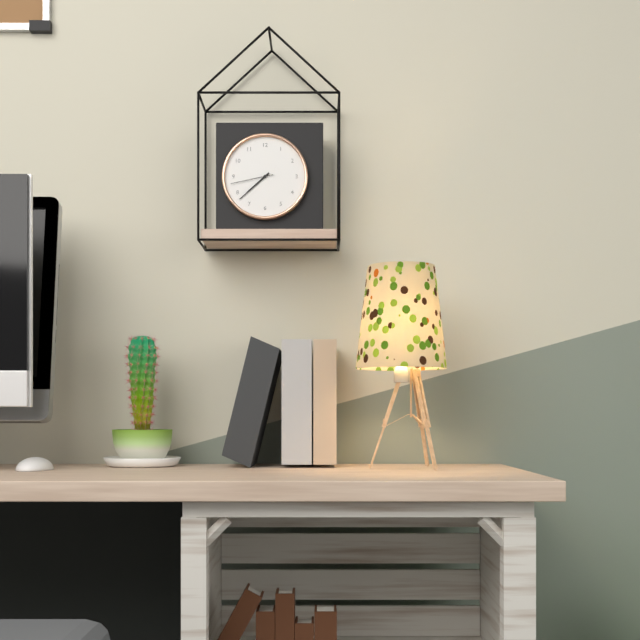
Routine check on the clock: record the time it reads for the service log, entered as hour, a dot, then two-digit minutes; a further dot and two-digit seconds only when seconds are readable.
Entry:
7.38
